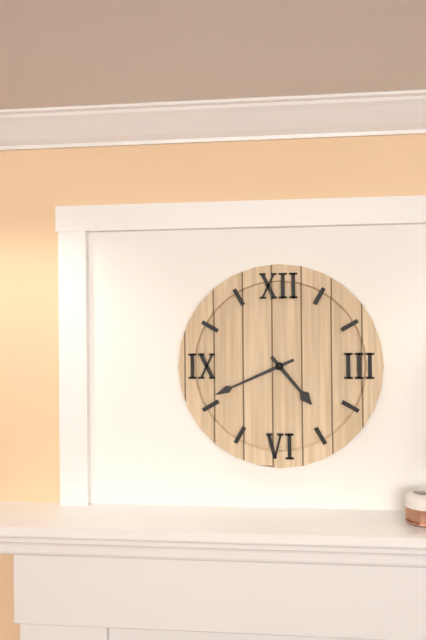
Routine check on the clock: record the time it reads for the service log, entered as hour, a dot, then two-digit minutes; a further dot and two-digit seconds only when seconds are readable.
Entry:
4.41
